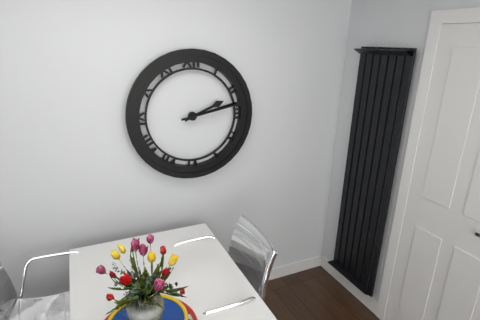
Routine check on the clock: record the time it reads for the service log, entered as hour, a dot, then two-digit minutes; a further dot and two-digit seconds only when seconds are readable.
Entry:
2.13
